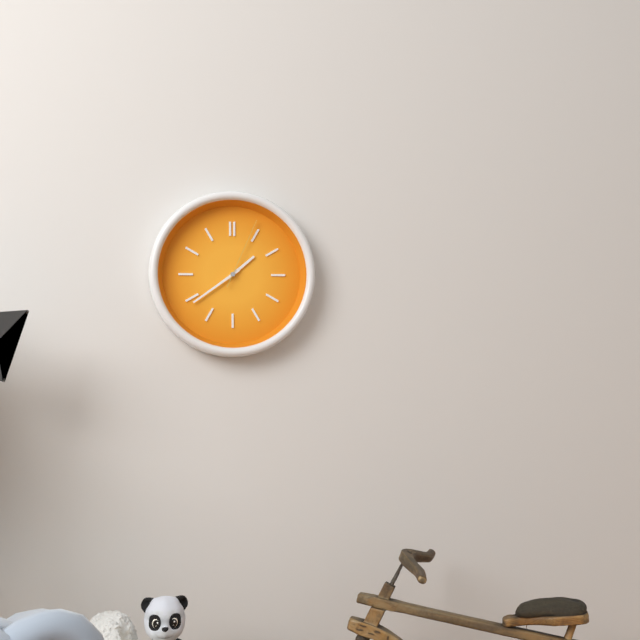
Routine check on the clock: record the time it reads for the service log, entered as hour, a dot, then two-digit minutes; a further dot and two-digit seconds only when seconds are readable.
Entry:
1.39.04
